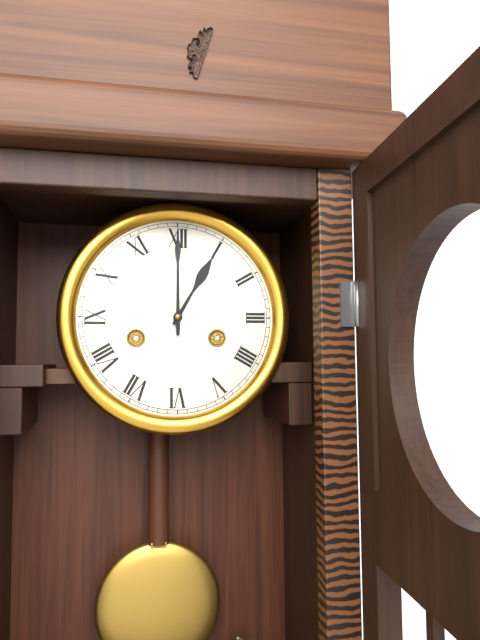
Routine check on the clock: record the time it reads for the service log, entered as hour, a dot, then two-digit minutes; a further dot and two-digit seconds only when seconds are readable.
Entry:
1.00
